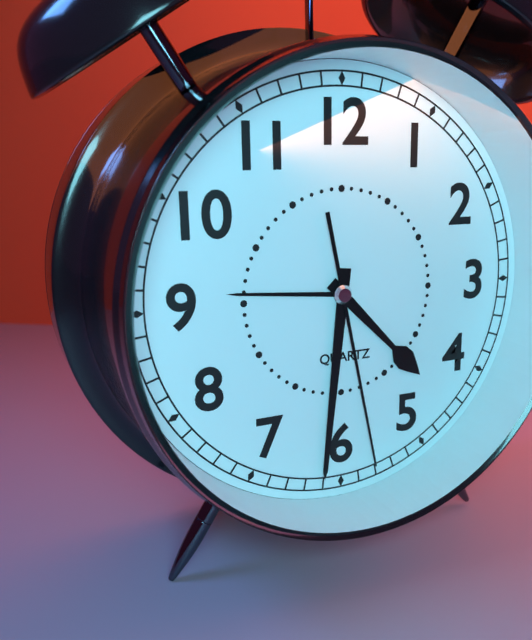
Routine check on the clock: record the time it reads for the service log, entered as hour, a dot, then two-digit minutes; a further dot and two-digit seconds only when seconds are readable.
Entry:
4.31.28
